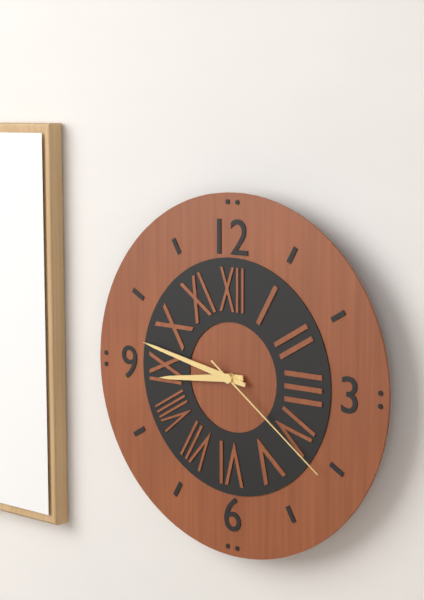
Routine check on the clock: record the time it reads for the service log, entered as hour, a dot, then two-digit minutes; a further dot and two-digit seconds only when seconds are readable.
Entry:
8.47.21
